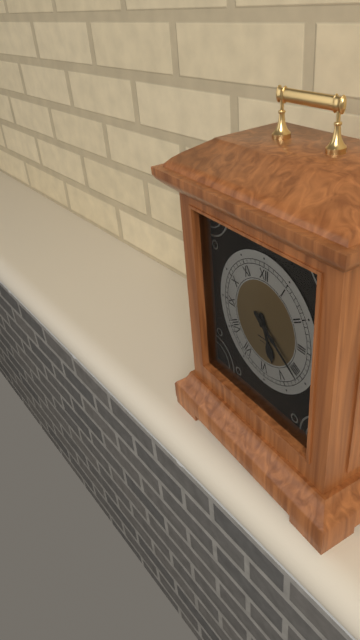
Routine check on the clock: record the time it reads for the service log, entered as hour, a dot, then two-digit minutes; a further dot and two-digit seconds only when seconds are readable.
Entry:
5.21
